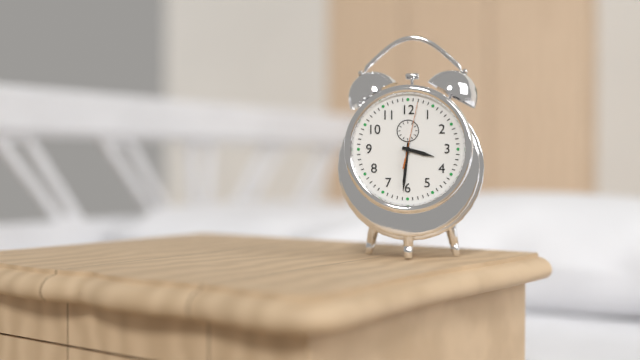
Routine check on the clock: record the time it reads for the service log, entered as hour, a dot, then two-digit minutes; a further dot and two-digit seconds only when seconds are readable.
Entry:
3.31.02
